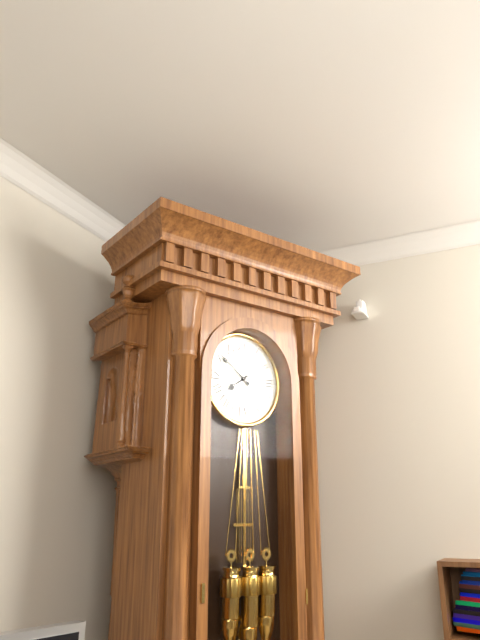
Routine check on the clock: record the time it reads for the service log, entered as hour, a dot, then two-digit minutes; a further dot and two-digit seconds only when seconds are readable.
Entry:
7.51
